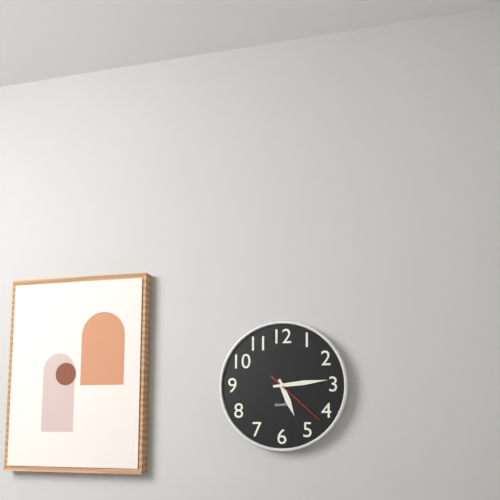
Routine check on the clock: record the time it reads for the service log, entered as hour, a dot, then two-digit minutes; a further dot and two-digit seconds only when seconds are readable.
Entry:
5.14.22
